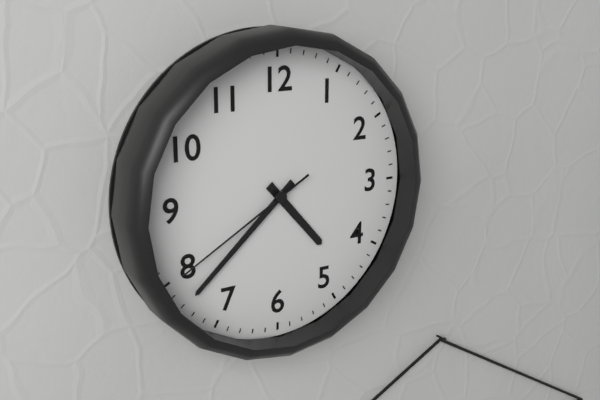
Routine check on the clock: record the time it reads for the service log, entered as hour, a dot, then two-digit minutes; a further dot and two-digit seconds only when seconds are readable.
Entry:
4.38.40
